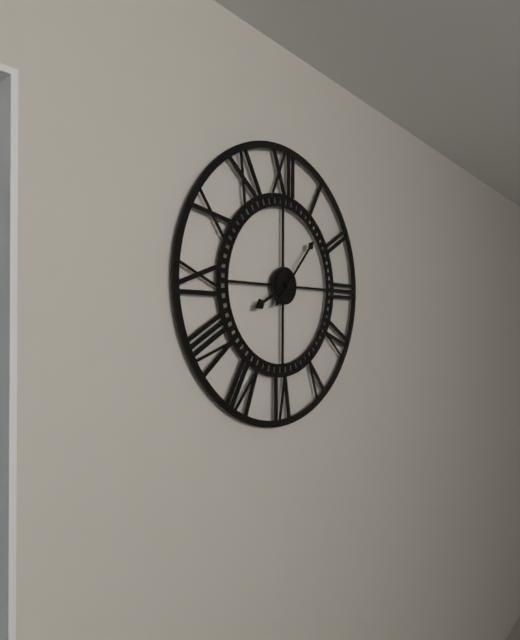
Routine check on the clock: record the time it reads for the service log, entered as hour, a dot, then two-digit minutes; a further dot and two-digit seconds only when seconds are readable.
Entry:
8.07
